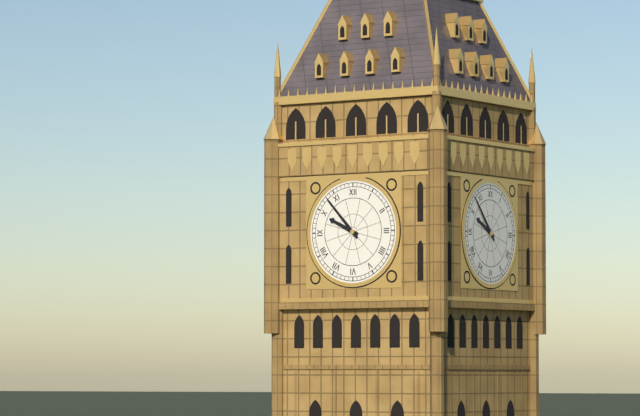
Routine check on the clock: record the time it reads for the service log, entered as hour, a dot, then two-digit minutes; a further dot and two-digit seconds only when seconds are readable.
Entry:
9.53
